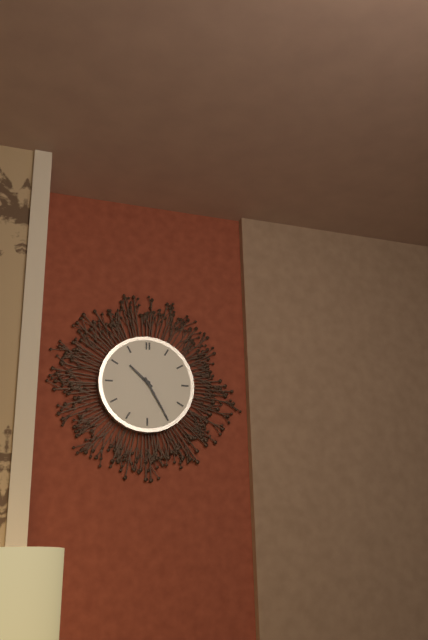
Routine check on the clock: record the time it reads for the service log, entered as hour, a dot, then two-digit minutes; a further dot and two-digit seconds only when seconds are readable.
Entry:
10.25
